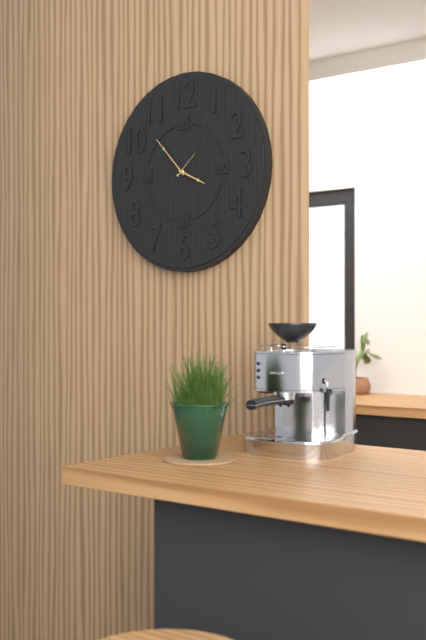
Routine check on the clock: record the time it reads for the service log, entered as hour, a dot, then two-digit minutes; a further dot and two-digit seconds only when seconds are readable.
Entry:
3.53
